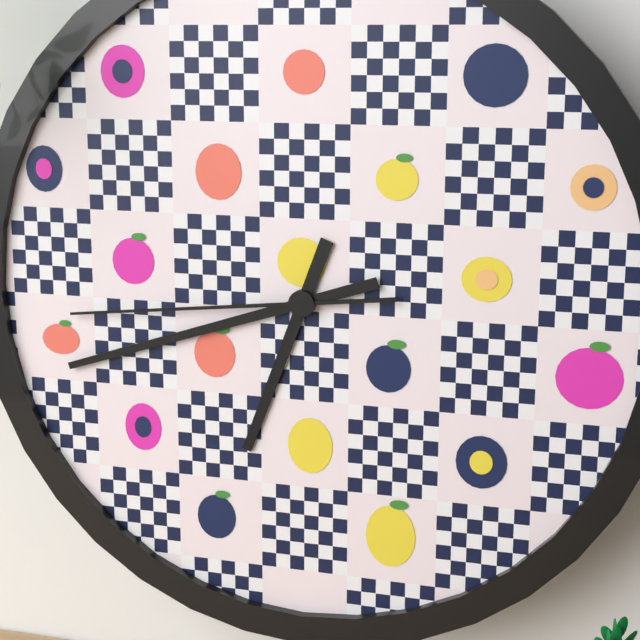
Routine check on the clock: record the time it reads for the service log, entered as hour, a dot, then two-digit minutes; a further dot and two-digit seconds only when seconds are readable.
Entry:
6.42.44
